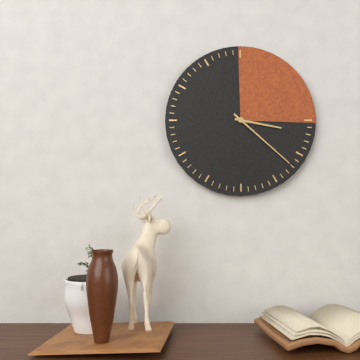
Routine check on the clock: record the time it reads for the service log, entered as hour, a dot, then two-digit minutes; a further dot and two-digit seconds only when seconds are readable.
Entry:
3.22
